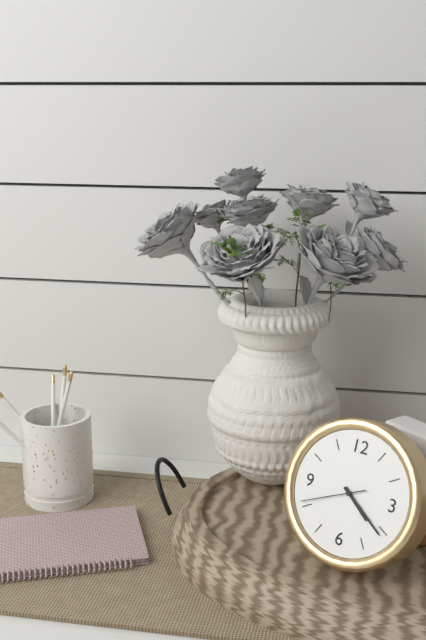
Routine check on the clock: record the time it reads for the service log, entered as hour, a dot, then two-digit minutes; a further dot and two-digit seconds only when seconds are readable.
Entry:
4.21.41
